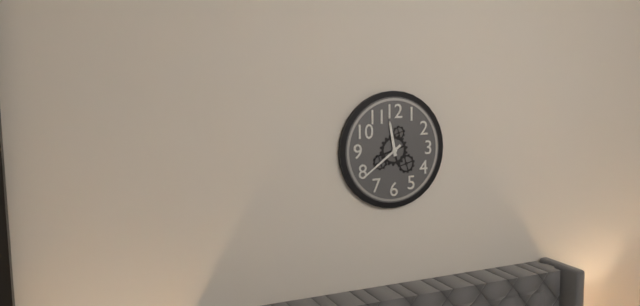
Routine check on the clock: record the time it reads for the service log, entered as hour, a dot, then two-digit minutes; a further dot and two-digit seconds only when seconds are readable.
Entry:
11.39
